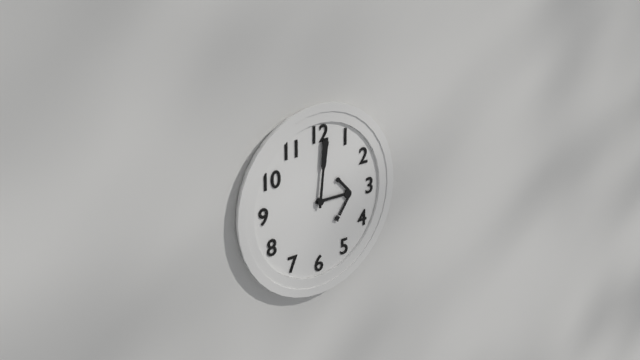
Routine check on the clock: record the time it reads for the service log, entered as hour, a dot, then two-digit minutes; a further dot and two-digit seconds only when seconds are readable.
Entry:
3.01
